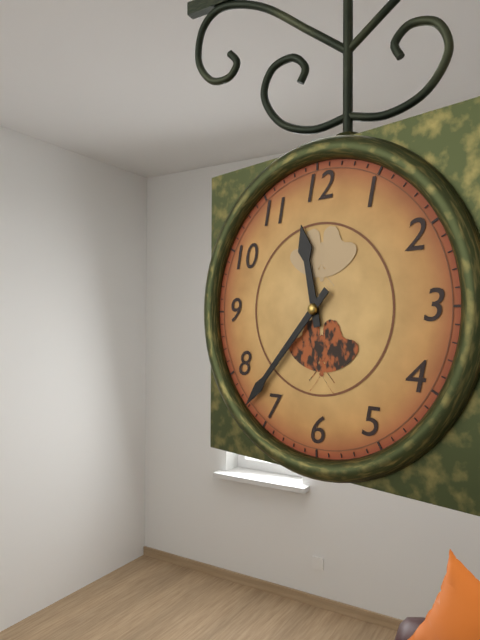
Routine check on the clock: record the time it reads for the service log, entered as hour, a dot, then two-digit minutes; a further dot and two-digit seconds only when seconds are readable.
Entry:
11.37
